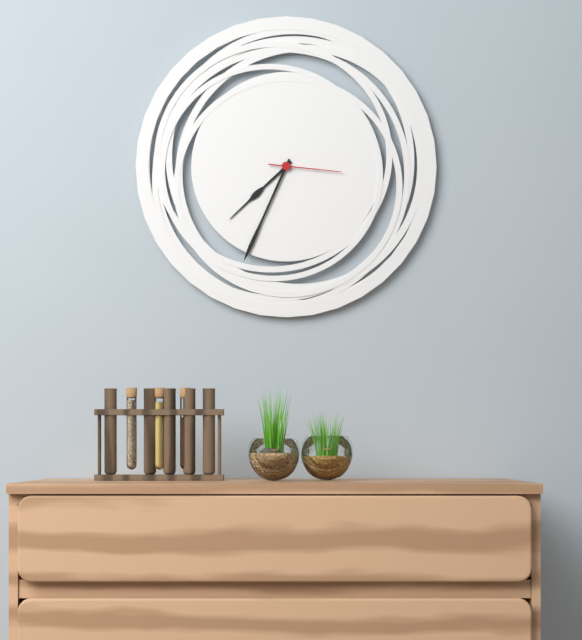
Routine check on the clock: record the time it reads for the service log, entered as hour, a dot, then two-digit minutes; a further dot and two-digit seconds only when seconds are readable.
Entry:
7.34.16
